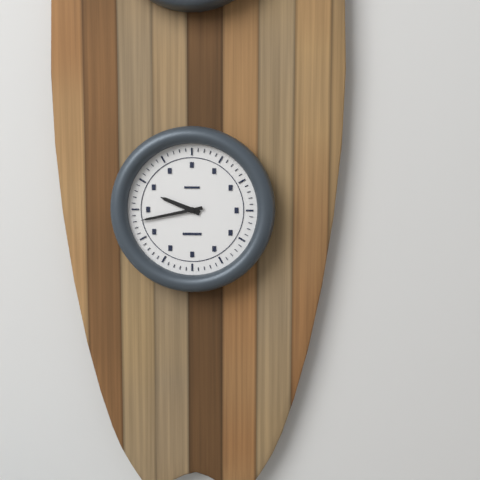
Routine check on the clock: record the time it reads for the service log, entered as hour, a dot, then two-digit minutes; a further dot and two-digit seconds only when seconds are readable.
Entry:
9.43
